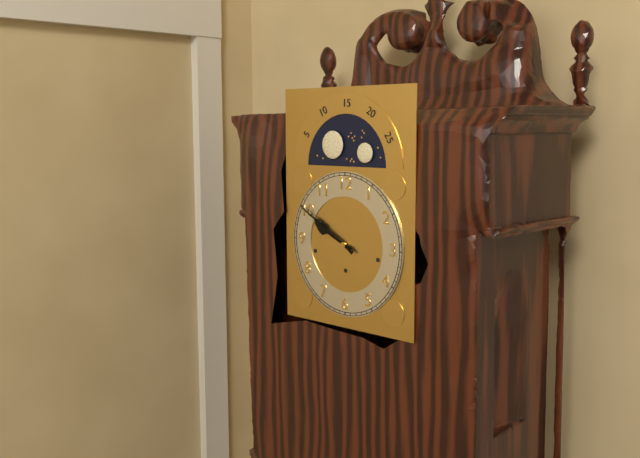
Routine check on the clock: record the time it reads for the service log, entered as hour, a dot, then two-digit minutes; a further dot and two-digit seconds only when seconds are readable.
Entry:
9.50
